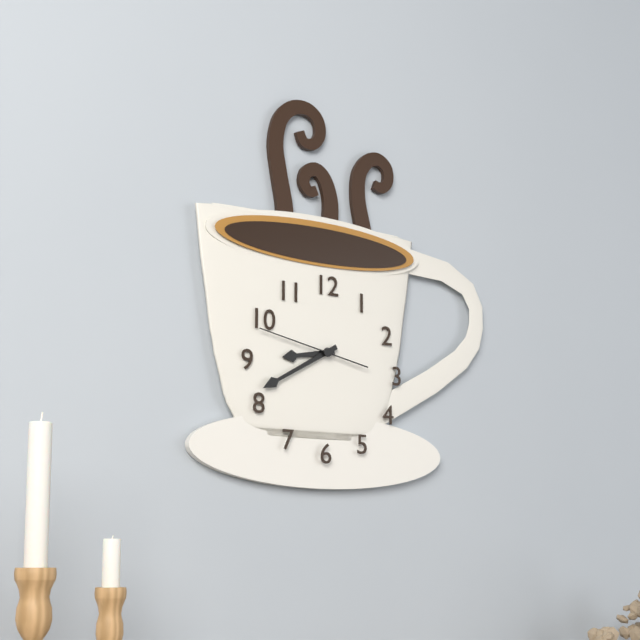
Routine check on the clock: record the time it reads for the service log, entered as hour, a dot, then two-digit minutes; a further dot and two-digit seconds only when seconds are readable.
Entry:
8.40.47
